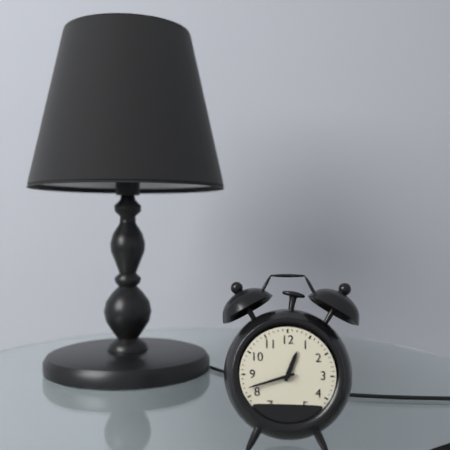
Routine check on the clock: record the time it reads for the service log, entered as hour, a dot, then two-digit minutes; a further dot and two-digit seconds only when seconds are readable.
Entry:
12.42
